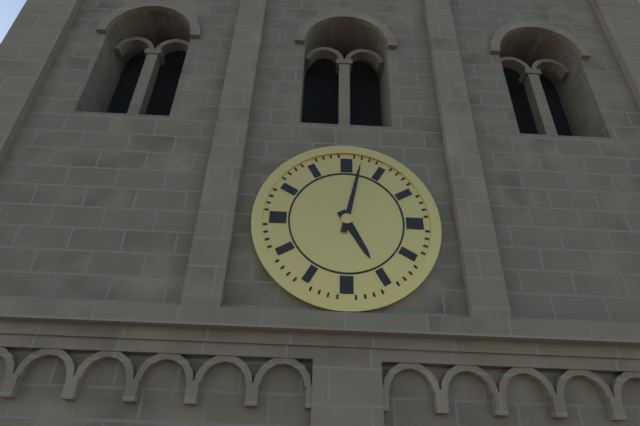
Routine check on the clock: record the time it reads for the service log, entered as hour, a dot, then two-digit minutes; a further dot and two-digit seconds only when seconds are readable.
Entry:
5.02
